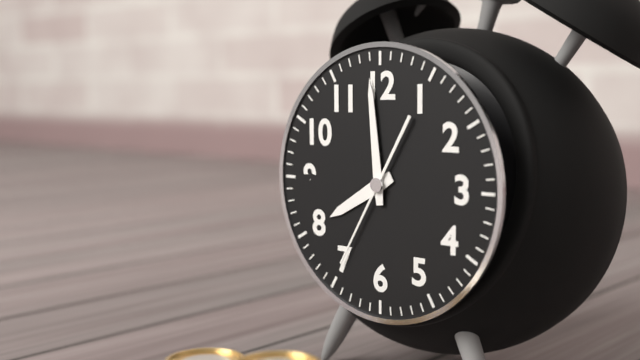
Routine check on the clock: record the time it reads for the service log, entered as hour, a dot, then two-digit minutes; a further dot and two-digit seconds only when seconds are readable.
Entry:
7.59.35
